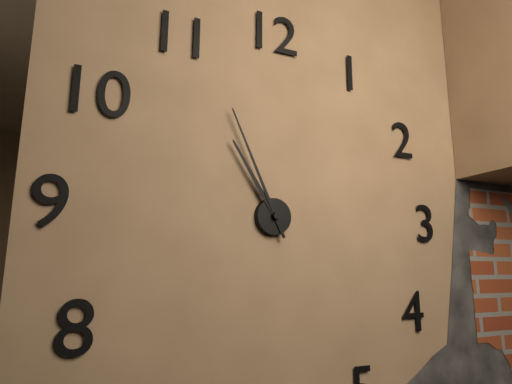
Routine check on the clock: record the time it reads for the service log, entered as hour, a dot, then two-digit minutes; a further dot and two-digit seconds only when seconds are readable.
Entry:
10.56
